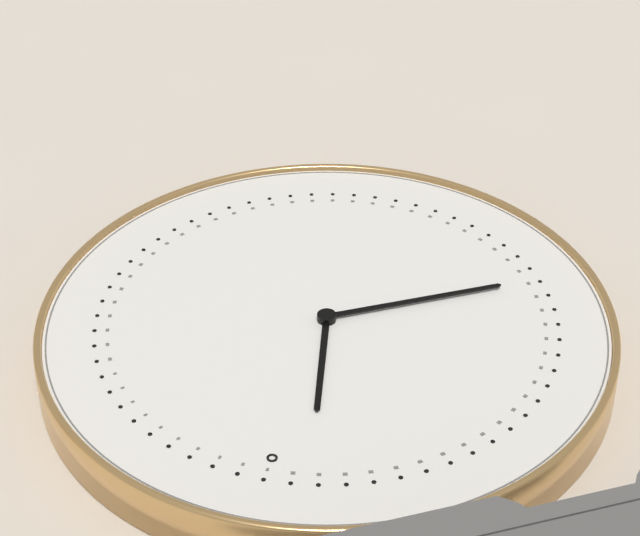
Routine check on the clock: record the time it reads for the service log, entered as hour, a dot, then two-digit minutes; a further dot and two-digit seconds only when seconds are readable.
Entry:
11.40
